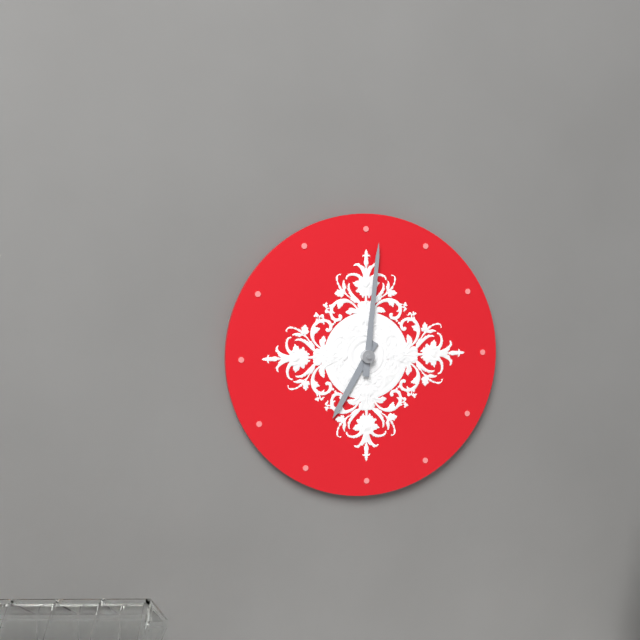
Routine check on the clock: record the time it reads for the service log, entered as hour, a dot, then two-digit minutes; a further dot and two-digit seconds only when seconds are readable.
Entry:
7.01
